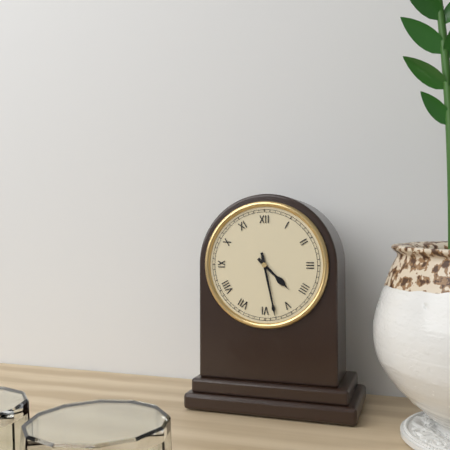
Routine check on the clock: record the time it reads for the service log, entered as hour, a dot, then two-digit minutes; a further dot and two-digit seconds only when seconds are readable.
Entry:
4.28
